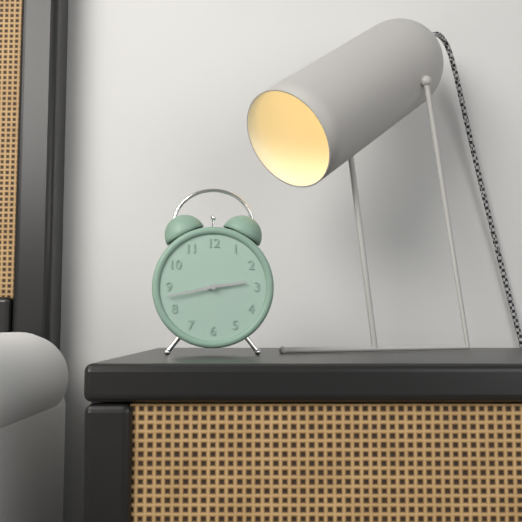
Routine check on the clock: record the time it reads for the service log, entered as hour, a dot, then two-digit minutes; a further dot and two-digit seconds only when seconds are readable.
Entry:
2.43
